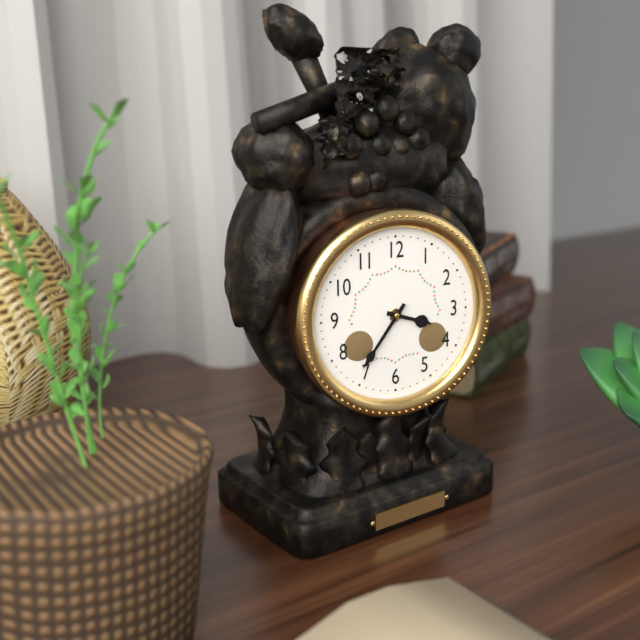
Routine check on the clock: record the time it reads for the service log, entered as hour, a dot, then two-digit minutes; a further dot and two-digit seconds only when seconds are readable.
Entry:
3.36
